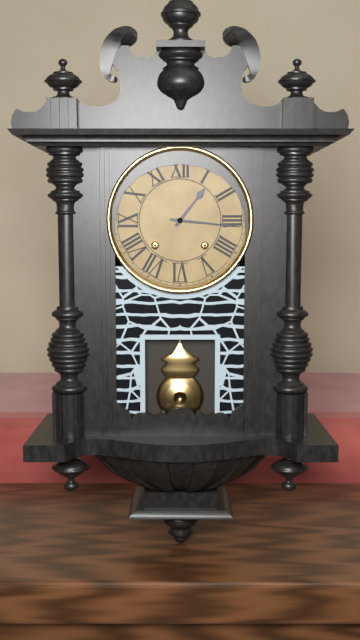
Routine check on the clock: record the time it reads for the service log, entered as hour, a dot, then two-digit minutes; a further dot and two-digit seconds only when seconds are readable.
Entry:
1.16
